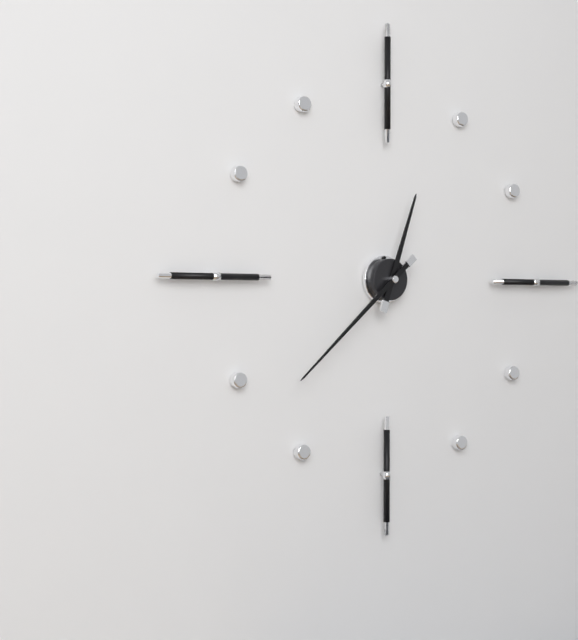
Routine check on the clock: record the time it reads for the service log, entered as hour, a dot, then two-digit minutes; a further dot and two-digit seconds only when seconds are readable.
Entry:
12.38
